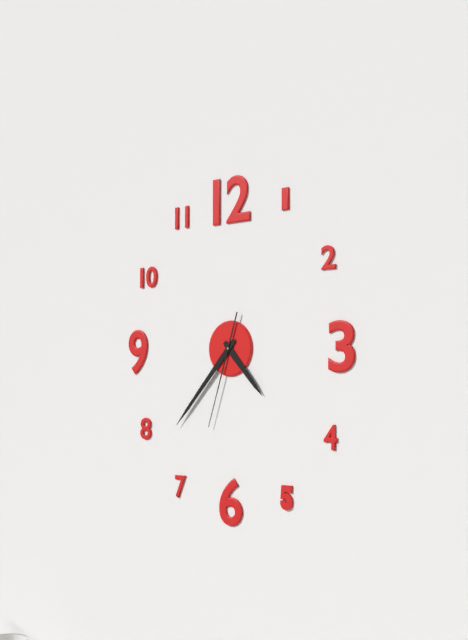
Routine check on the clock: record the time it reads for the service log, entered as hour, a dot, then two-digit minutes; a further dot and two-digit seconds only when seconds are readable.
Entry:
4.37.33
